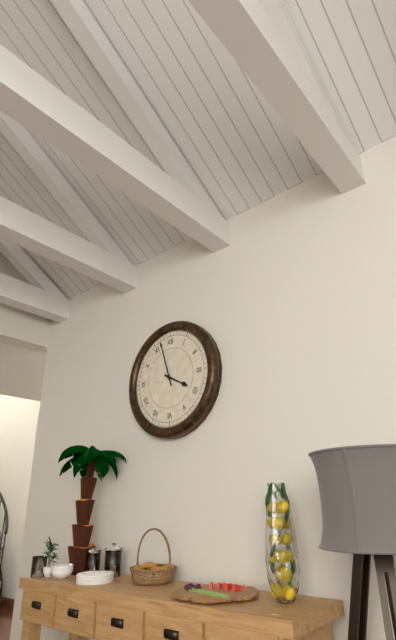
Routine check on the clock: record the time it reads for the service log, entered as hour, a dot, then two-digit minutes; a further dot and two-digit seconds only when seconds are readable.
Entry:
3.57
